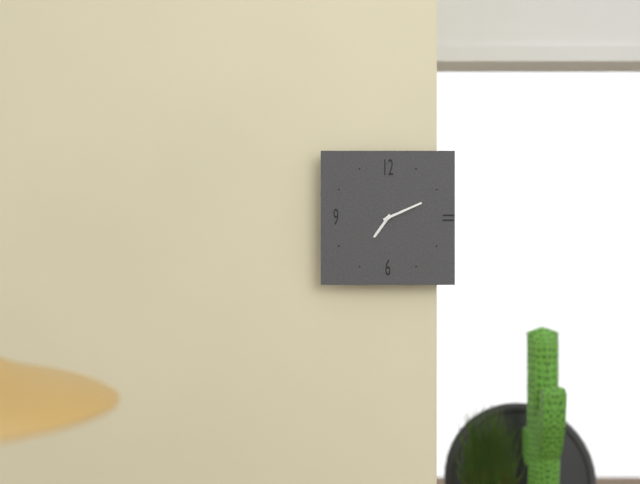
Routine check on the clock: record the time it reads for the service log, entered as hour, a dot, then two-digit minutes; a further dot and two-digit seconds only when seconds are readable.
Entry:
7.11
